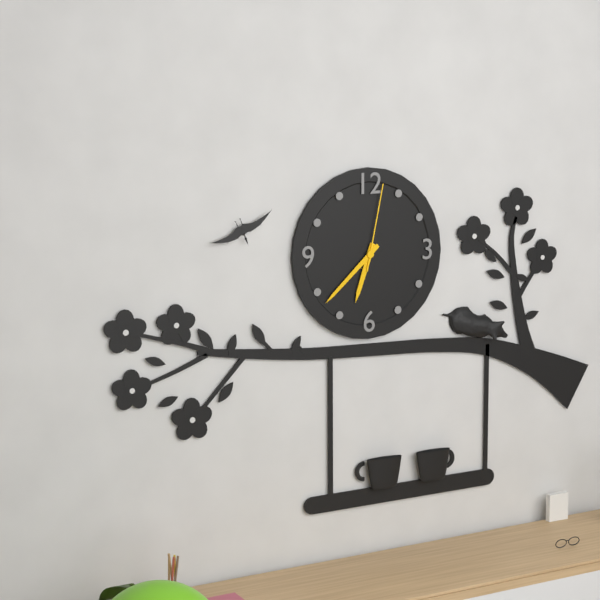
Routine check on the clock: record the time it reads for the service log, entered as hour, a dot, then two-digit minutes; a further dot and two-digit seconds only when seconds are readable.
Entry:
6.38.02
